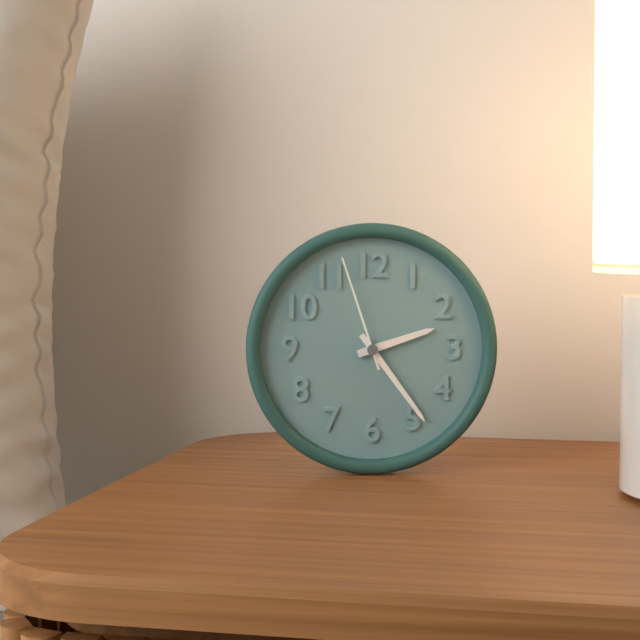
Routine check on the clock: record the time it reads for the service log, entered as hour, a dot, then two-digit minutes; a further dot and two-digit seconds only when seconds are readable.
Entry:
2.24.57
